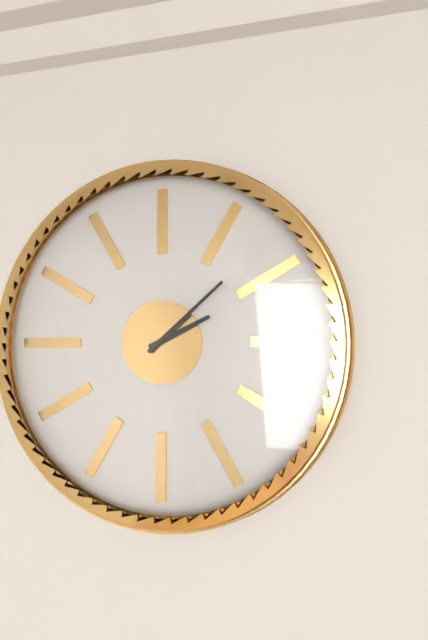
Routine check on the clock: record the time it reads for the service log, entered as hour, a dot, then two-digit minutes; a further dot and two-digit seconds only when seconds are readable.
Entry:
2.08
